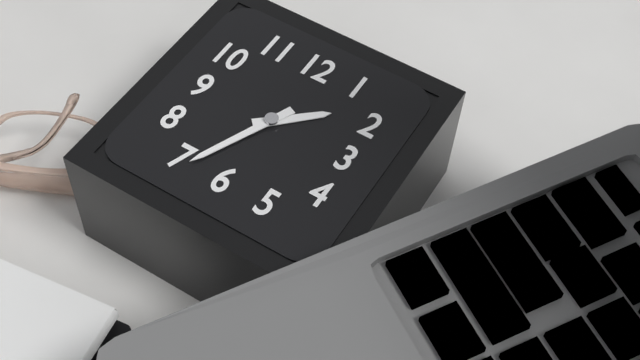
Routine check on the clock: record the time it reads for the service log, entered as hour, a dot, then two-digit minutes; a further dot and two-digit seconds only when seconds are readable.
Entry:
1.34
